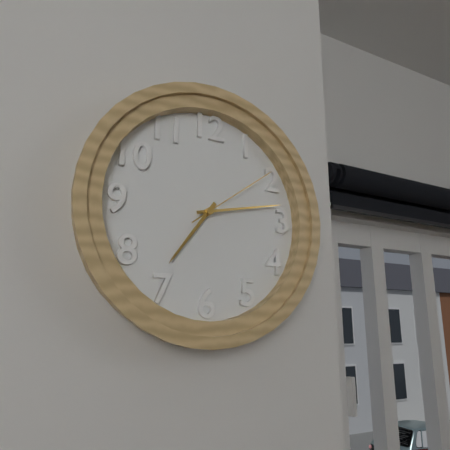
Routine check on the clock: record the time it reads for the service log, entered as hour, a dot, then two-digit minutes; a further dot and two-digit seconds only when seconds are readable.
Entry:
7.13.09
